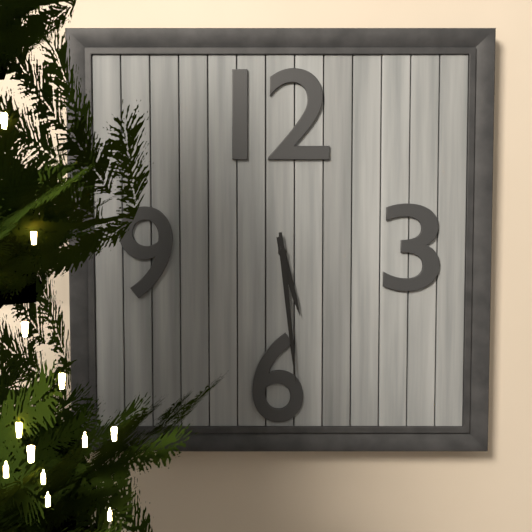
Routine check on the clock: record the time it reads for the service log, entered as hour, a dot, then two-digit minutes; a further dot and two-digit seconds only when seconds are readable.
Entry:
5.29
